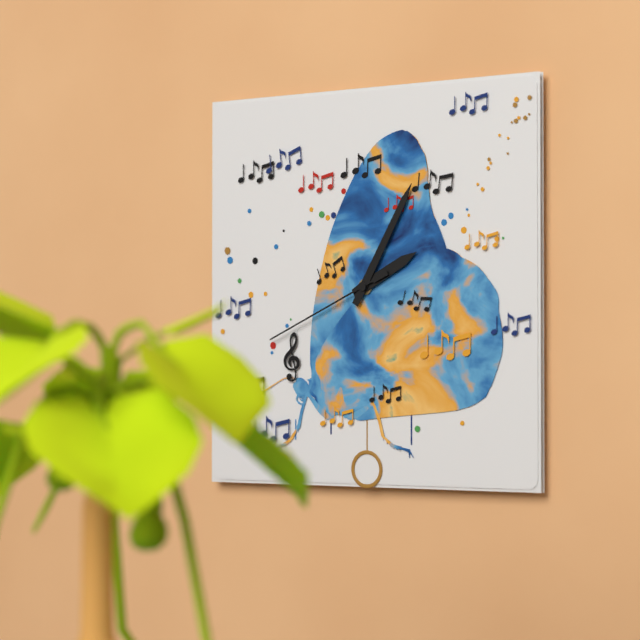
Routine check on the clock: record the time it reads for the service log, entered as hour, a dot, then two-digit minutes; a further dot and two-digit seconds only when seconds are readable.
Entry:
2.05.41
